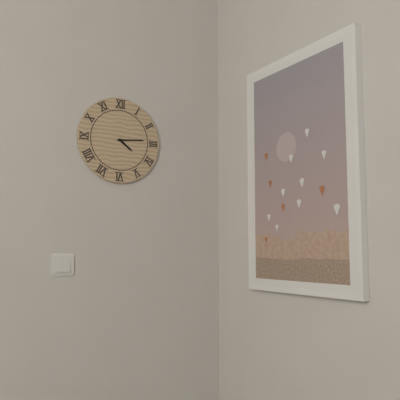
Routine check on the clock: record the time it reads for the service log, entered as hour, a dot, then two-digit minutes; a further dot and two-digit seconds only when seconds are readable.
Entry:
4.14
